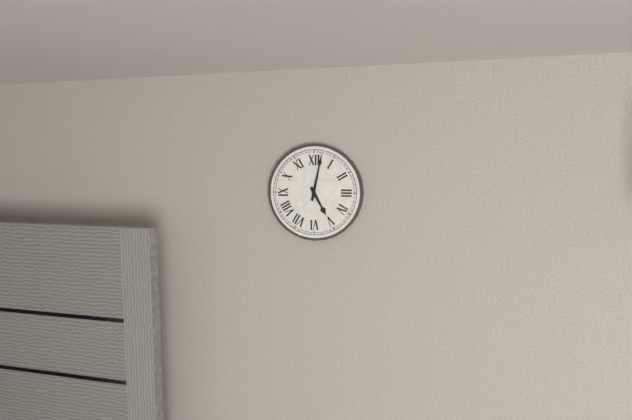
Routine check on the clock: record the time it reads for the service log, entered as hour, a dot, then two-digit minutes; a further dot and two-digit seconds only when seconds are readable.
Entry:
5.02
